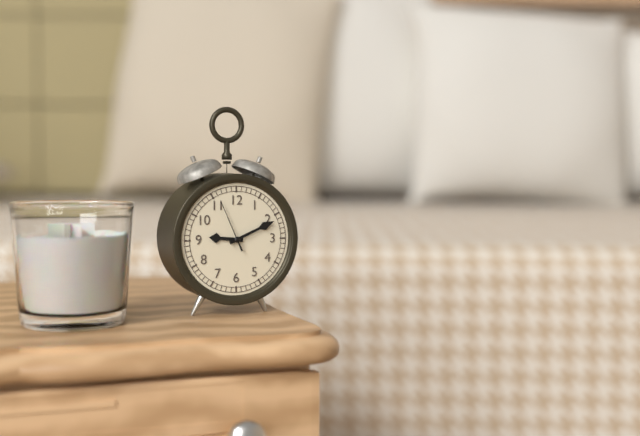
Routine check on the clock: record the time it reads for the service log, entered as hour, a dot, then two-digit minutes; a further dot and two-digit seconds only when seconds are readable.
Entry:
9.11.56
